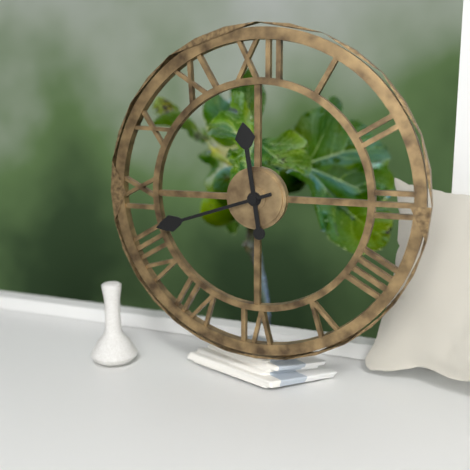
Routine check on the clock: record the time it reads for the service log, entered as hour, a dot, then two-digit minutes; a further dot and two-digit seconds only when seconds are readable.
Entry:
11.42
